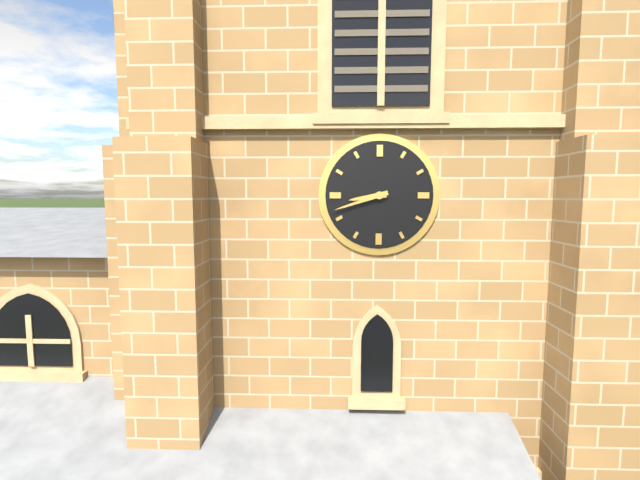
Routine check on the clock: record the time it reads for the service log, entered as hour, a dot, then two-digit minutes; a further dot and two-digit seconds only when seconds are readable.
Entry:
8.42
